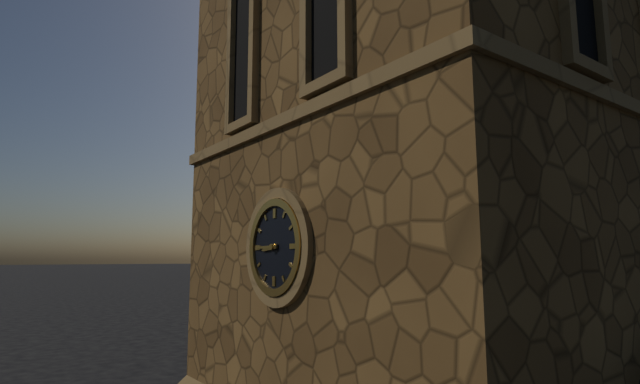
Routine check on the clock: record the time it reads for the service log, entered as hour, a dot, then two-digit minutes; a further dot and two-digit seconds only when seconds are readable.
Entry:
8.45
